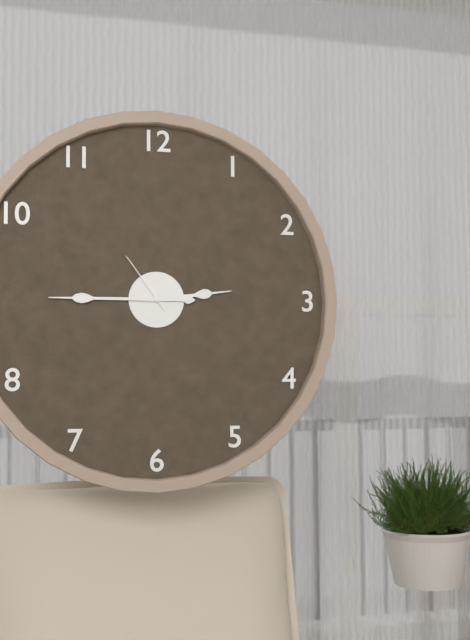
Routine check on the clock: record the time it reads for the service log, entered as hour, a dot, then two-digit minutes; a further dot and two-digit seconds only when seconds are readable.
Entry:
2.45.54
